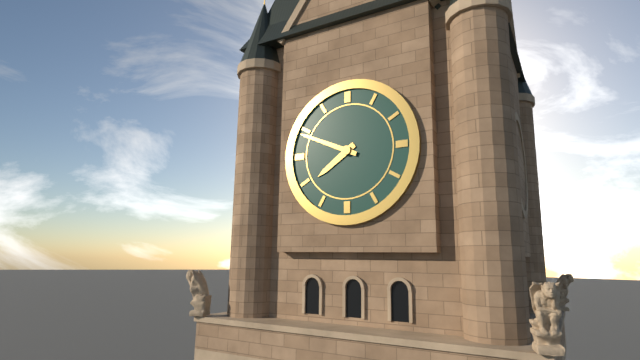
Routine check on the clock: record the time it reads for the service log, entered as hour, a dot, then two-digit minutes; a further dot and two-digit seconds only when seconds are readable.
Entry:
7.49
